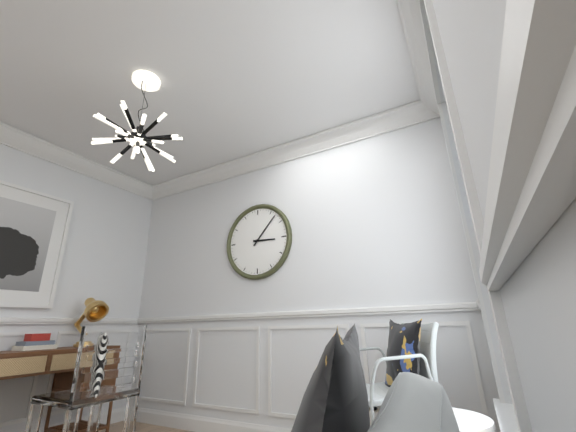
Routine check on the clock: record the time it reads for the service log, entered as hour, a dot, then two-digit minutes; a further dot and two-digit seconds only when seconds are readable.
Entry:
3.07
